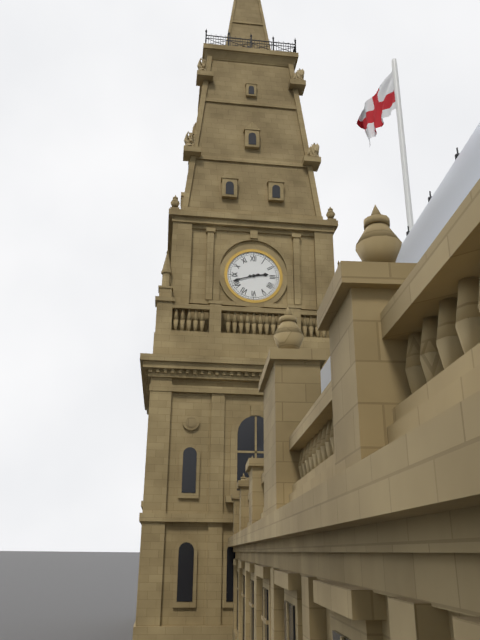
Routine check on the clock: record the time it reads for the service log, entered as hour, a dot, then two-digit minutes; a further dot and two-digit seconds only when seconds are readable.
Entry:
2.42
